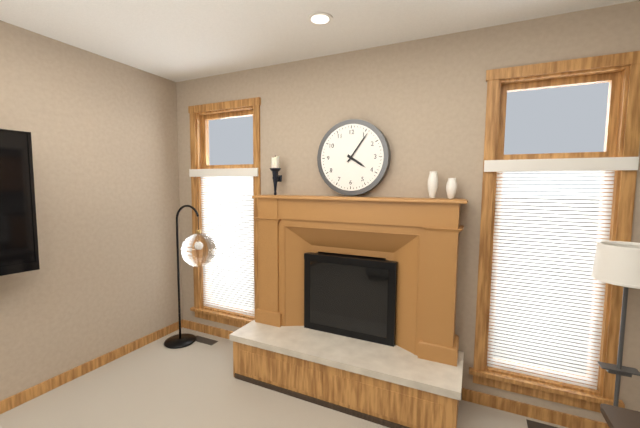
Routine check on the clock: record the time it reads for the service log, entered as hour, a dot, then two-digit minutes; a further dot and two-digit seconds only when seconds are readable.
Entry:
4.06
